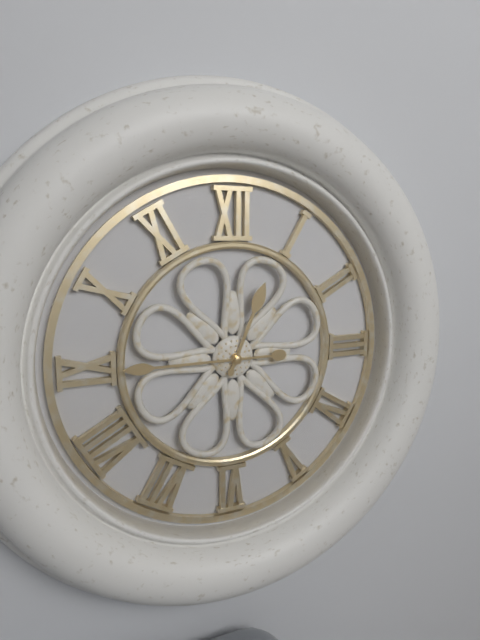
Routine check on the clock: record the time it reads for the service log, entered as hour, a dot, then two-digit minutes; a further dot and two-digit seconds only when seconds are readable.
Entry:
12.45
